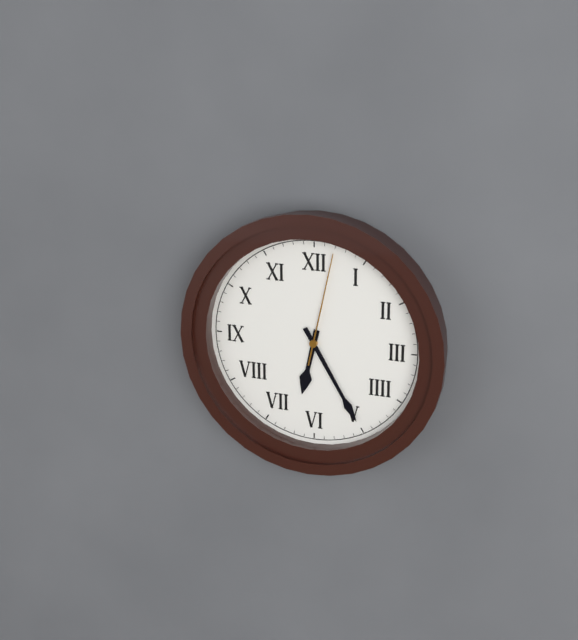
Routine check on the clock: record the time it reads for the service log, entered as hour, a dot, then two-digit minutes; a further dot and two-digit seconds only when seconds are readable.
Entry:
6.25.02
